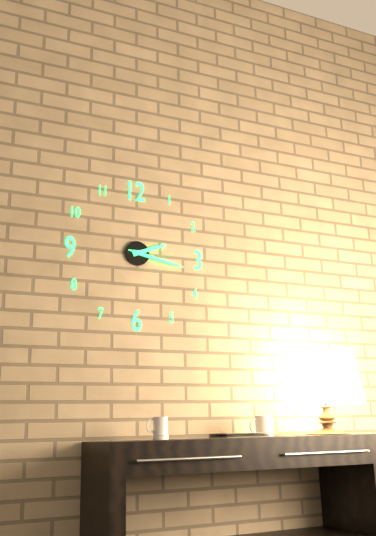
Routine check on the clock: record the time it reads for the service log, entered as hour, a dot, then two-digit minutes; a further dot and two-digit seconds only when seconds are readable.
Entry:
2.17.17
